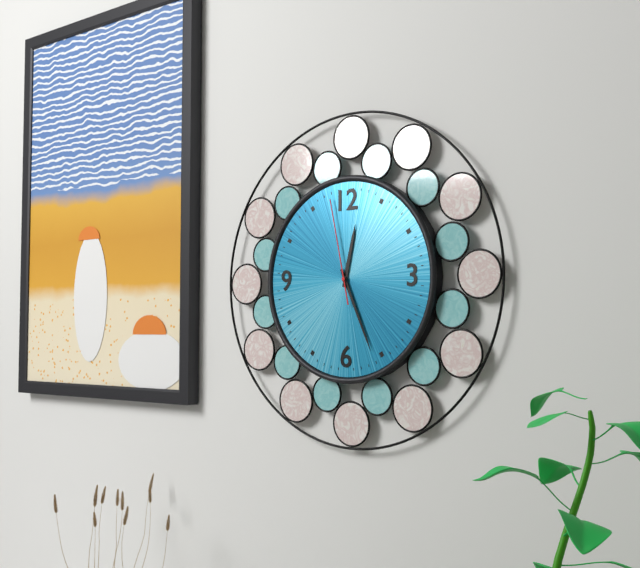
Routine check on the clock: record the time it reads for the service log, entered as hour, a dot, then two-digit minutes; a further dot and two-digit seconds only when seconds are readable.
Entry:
12.26.58
